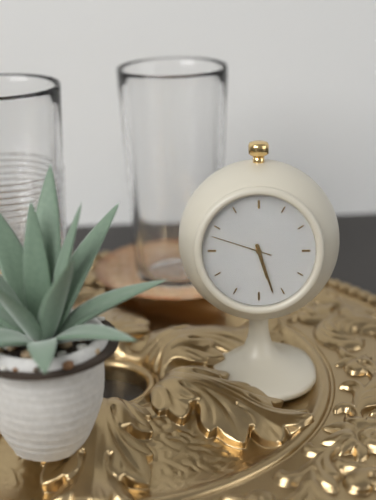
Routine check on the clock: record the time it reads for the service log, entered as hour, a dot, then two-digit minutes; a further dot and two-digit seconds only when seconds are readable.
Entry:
5.27.48
